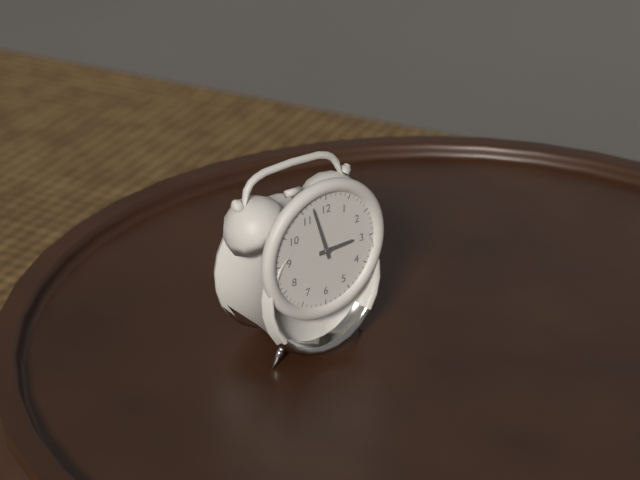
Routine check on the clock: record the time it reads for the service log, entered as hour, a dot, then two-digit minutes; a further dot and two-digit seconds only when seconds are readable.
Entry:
2.57
